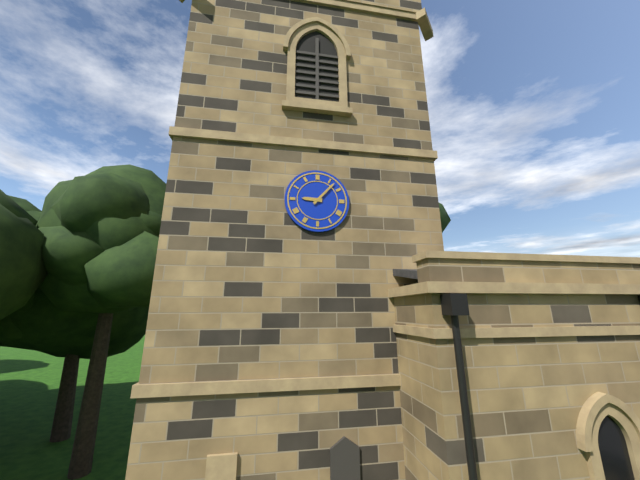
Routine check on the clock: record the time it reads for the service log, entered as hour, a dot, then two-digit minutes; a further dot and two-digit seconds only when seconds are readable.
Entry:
9.07
